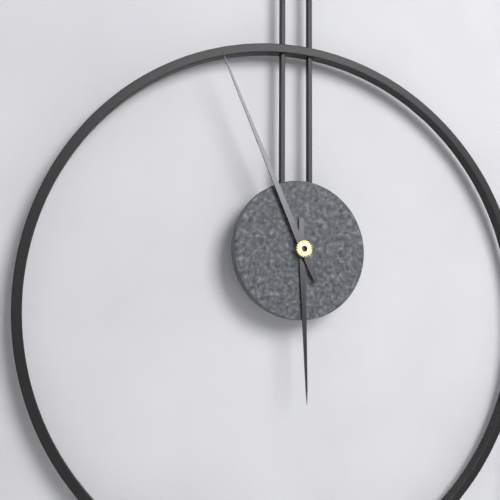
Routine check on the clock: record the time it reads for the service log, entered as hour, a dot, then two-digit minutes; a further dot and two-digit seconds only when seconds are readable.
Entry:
5.56
